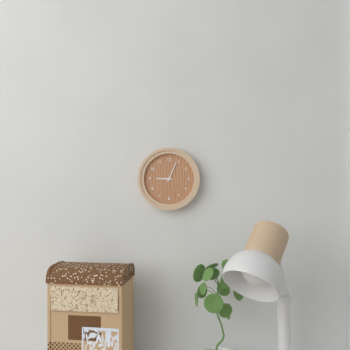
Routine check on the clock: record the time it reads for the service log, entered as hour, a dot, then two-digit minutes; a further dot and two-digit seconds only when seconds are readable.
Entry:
9.04
